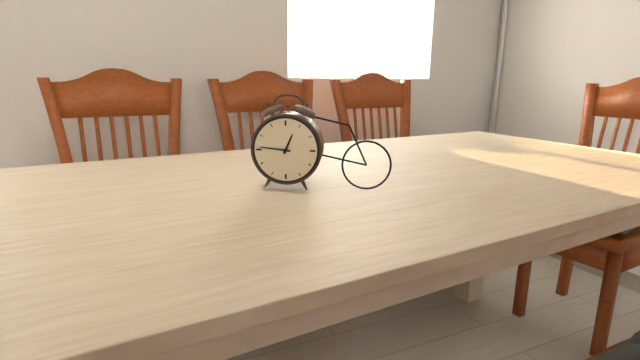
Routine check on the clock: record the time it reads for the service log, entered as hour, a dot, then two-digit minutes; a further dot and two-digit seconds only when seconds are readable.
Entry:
12.46
